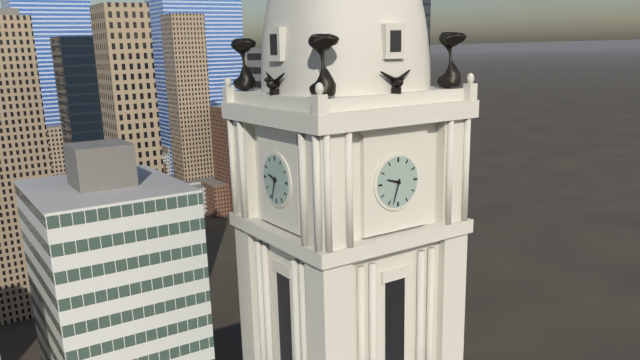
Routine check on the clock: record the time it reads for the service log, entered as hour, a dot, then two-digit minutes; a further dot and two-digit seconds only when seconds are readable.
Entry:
9.33
